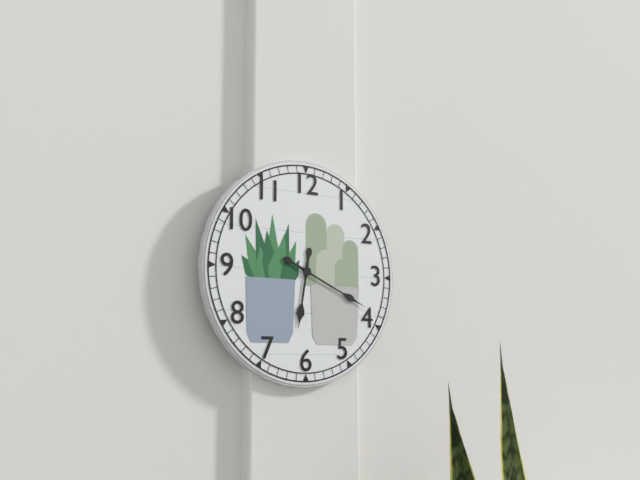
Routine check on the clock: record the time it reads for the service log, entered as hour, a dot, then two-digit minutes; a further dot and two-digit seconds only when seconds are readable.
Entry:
6.19
